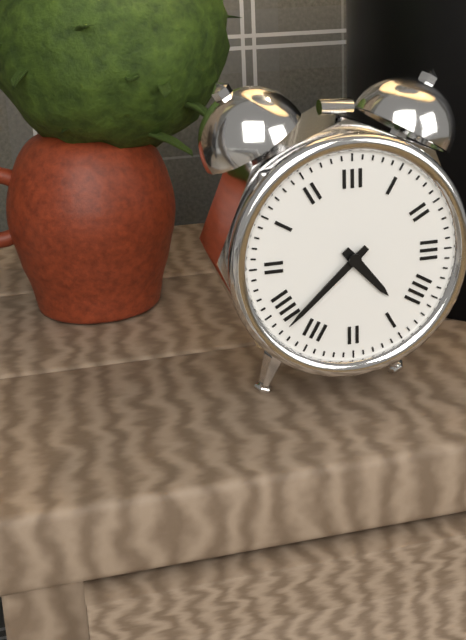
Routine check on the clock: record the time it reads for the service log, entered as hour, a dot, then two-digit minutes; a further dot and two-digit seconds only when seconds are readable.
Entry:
4.38
